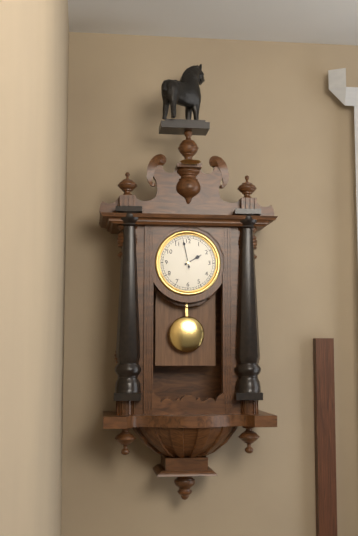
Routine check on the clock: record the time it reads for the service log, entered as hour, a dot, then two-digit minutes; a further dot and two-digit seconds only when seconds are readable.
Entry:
1.58
